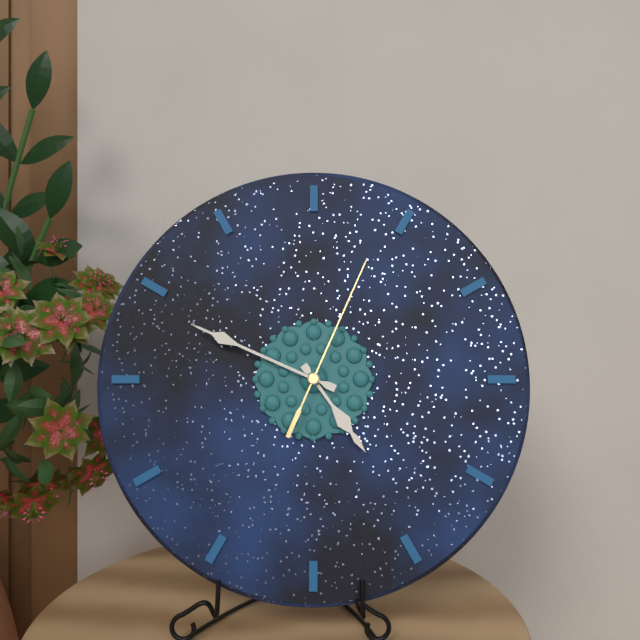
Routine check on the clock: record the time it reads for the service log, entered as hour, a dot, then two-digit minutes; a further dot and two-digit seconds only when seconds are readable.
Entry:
4.49.04
